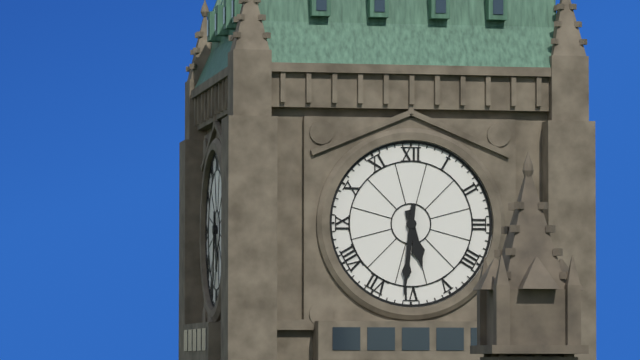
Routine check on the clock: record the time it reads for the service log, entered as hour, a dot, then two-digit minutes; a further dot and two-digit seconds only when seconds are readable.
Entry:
5.31
